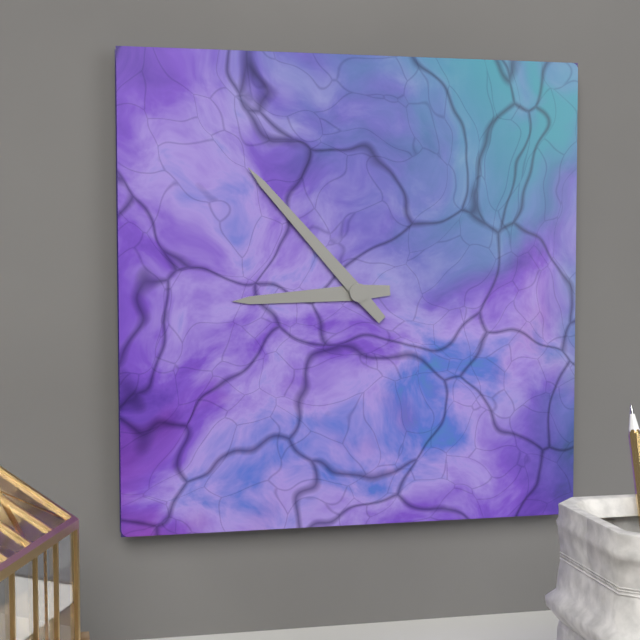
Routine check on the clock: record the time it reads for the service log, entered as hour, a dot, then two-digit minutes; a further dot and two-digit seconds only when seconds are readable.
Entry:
8.53
